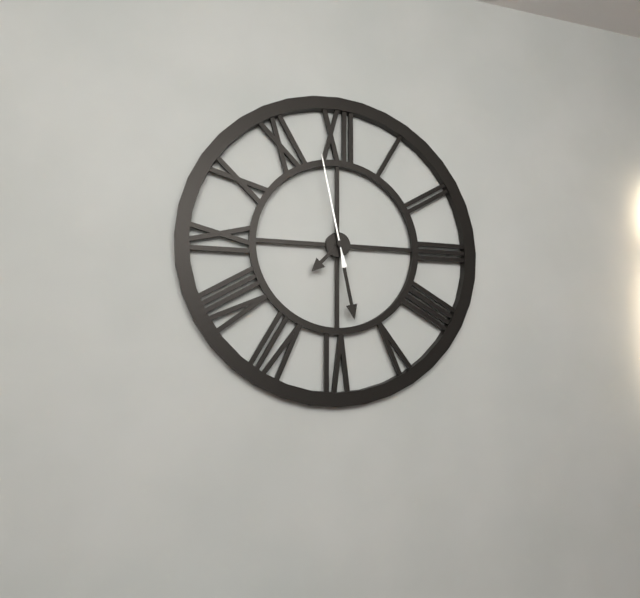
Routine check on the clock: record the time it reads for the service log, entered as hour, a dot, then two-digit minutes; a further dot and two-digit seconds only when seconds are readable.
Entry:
7.28.58
